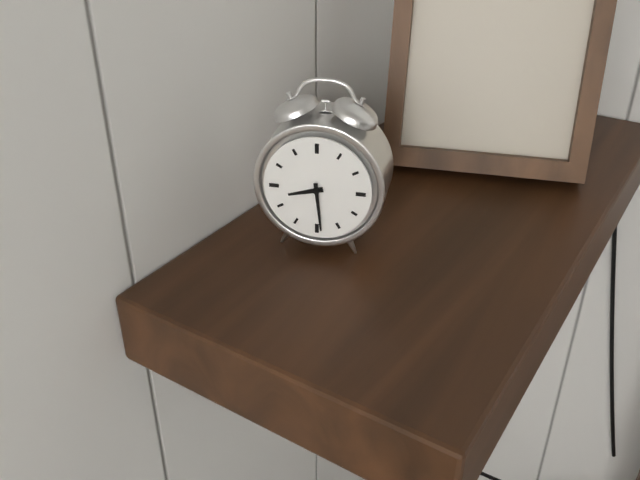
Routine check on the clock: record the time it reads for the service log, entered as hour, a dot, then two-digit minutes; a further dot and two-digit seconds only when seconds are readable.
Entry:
8.29
